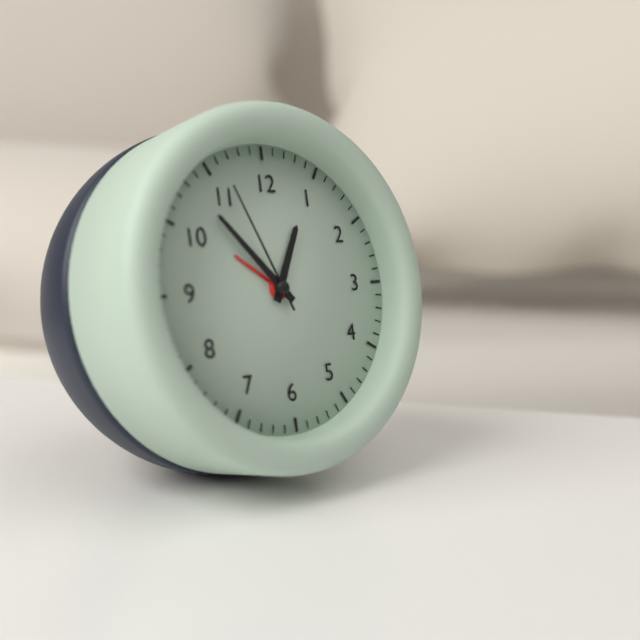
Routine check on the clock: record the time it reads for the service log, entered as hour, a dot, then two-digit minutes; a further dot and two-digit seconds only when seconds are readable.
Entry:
12.53.56
